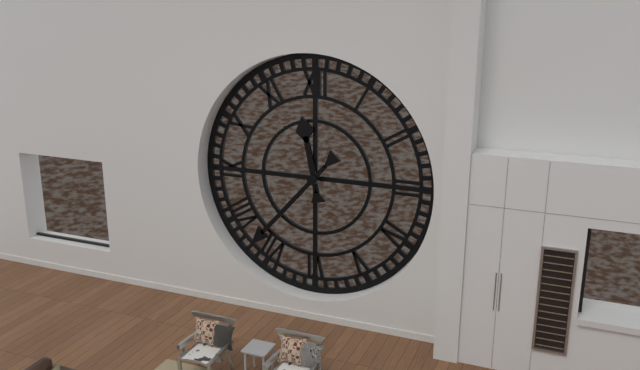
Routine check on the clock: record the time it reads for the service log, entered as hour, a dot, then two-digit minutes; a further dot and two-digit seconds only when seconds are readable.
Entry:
11.37
